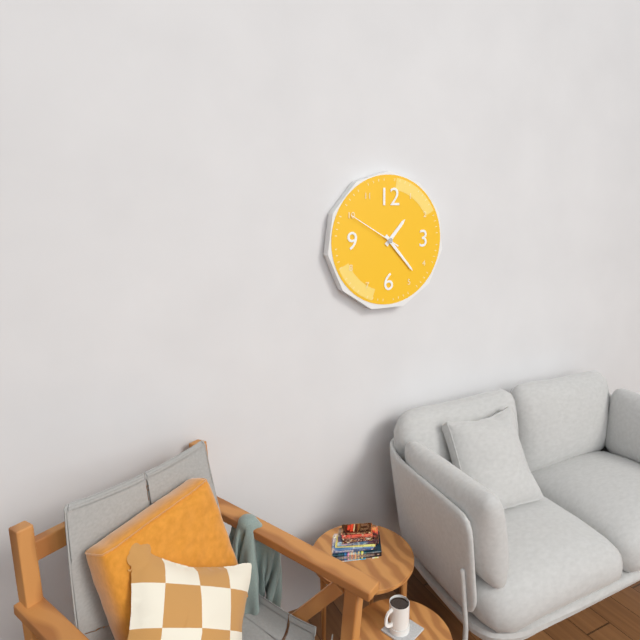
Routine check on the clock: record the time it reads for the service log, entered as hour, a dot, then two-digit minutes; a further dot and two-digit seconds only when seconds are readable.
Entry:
1.23.50
